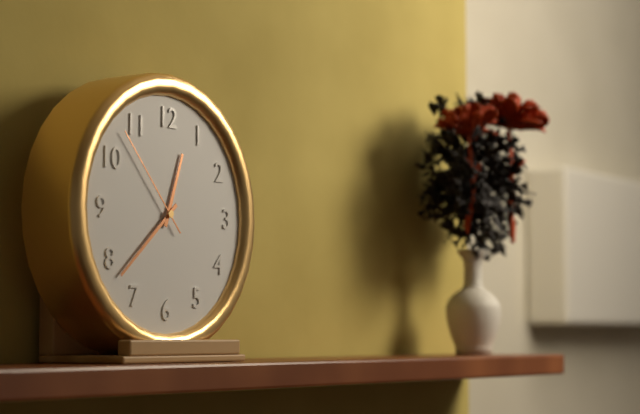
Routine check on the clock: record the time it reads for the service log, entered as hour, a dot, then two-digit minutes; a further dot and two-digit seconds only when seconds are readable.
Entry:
12.38.53
